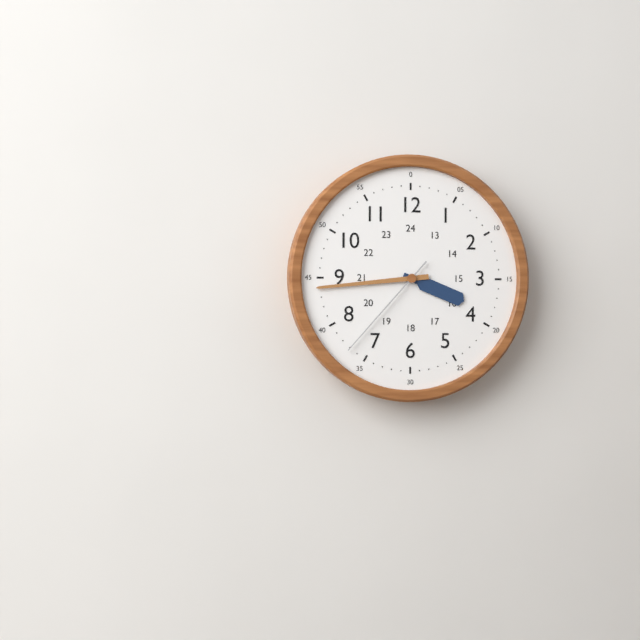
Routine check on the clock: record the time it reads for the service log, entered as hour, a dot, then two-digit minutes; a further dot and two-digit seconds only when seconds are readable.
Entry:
3.44.37
